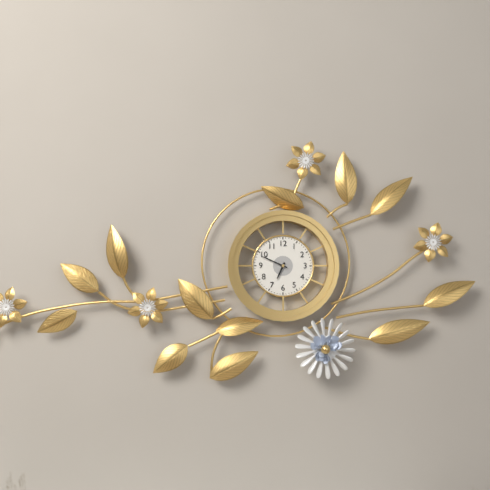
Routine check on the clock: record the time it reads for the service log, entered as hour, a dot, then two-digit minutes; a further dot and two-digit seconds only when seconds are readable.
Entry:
6.49
